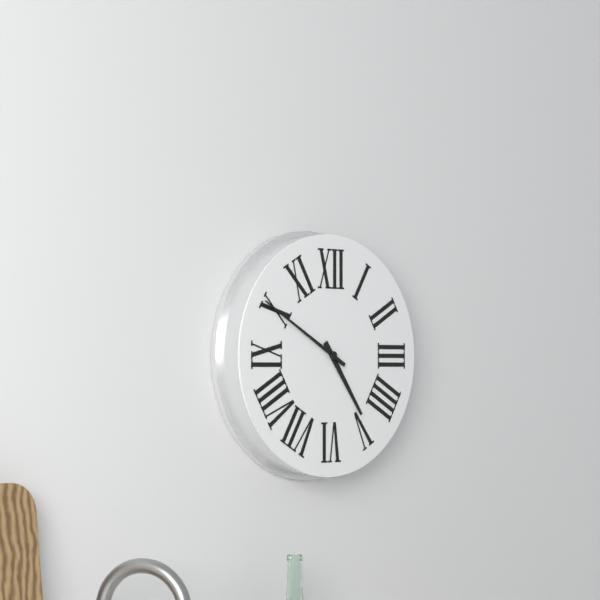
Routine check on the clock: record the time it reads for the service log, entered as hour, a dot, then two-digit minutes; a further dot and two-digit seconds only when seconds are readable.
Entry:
4.50
